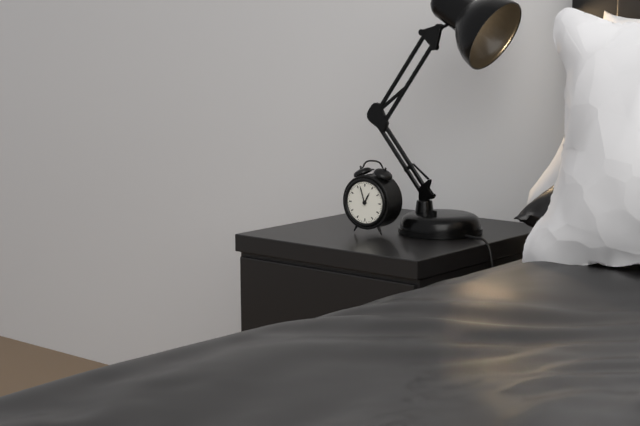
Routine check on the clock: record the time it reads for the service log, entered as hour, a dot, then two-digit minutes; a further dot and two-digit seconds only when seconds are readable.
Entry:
12.57
